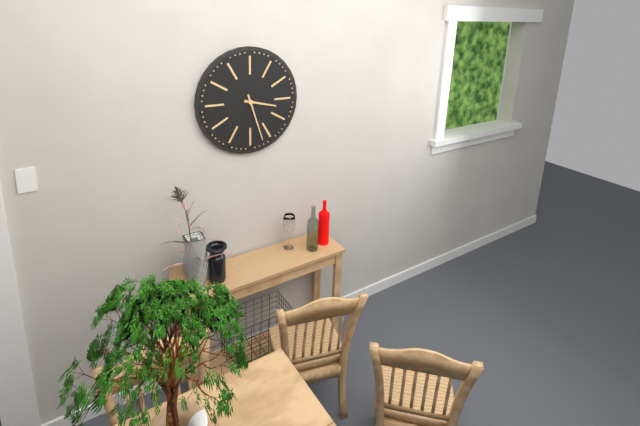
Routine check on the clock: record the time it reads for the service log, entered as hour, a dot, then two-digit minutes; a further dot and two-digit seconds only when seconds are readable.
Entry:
3.27
